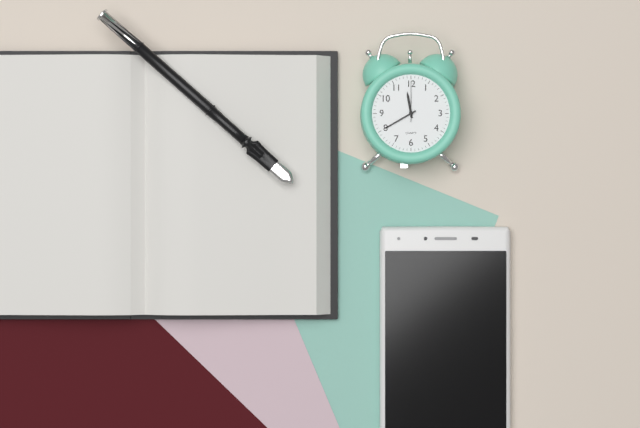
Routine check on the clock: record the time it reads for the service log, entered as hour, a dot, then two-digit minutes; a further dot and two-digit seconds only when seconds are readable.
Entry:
11.40
